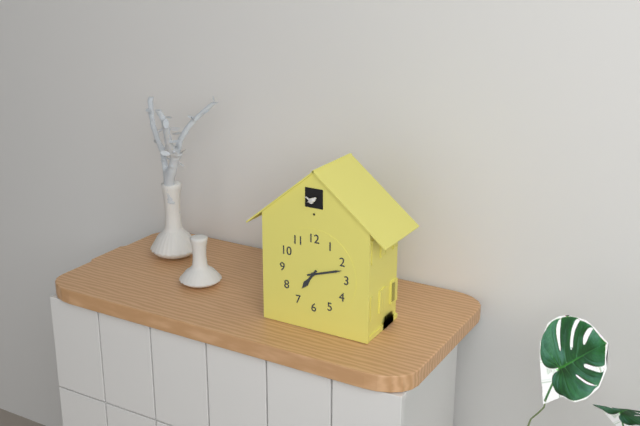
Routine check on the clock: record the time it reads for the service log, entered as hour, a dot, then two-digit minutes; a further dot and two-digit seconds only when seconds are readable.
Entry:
7.12
